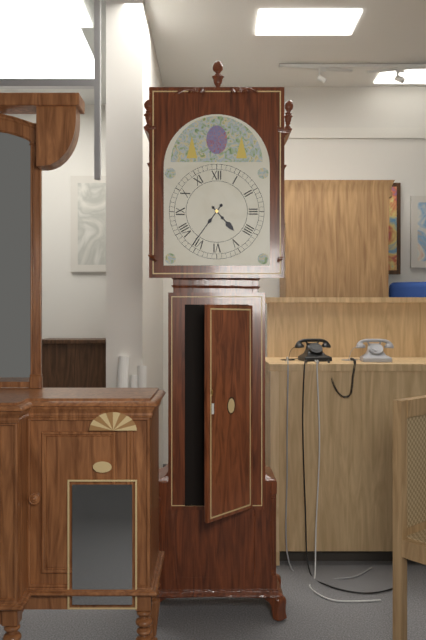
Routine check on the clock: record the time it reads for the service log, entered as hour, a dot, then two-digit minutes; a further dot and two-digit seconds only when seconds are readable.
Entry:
4.36
